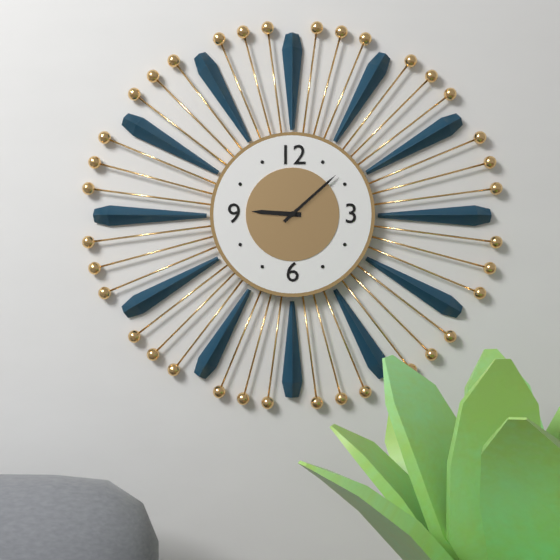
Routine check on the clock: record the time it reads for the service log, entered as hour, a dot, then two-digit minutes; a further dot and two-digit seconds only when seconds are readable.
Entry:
9.08
